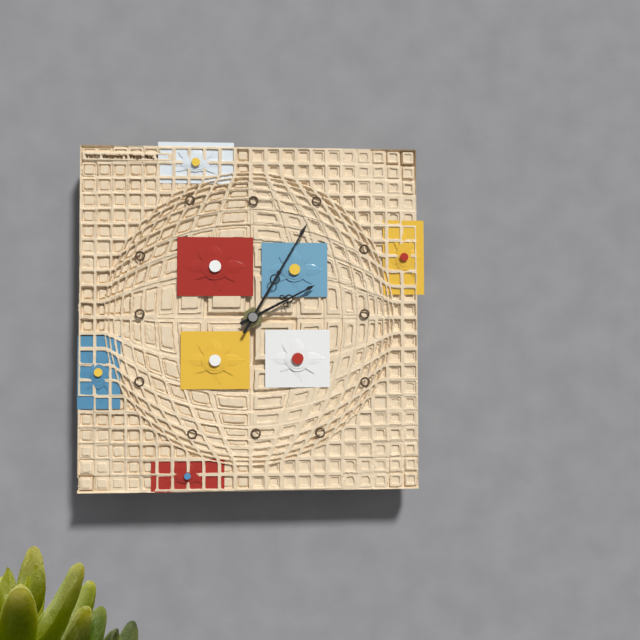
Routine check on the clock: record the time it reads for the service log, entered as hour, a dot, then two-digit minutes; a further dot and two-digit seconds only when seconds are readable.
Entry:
2.05
